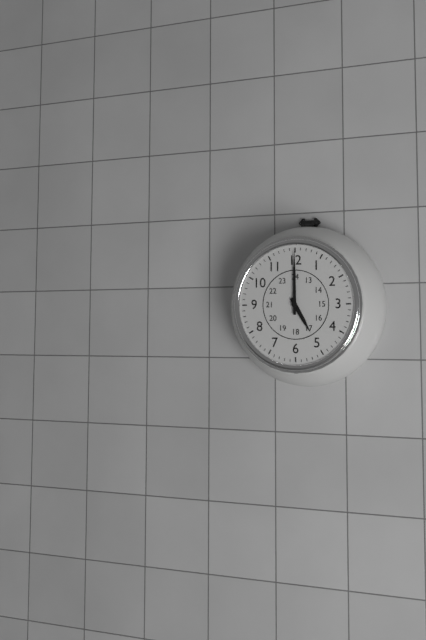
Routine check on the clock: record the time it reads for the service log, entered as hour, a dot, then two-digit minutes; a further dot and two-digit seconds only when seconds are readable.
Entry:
5.00
